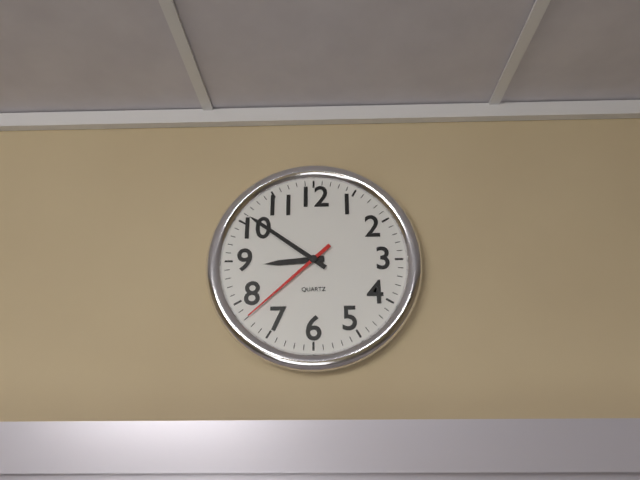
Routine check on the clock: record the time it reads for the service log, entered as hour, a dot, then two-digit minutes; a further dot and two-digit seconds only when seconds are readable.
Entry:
8.51.38
